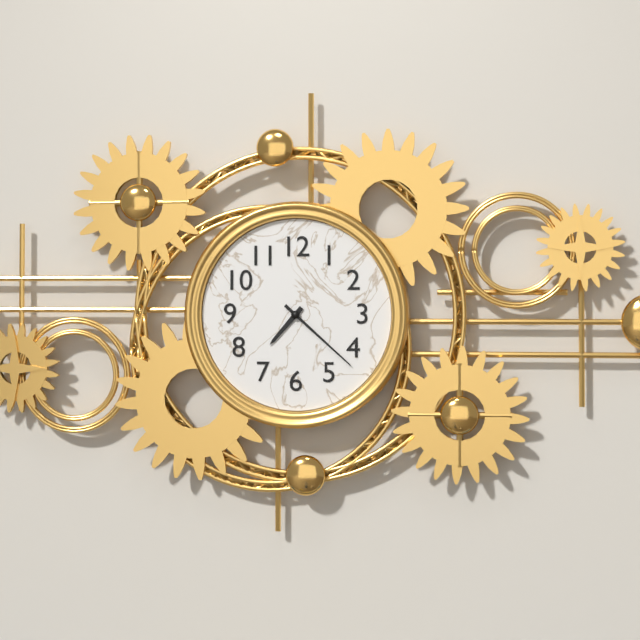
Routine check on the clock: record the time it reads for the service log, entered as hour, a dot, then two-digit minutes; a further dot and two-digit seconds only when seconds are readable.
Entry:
7.22
